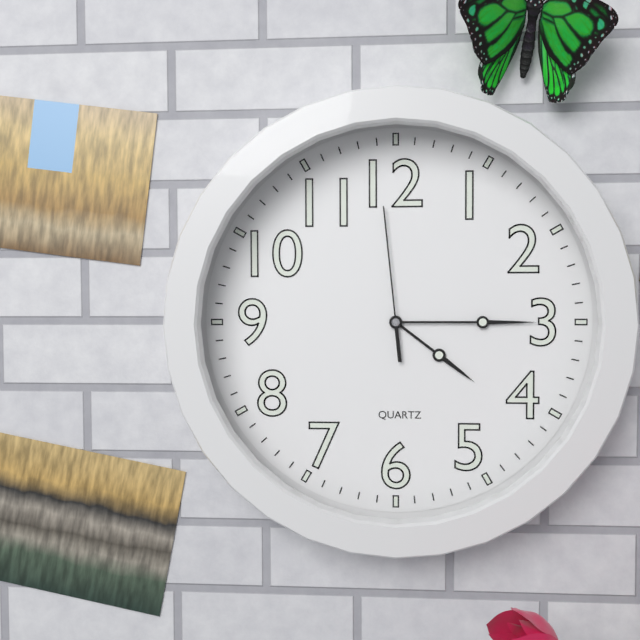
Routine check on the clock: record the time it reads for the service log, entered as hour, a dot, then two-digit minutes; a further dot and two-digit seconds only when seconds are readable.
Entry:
4.15.59
